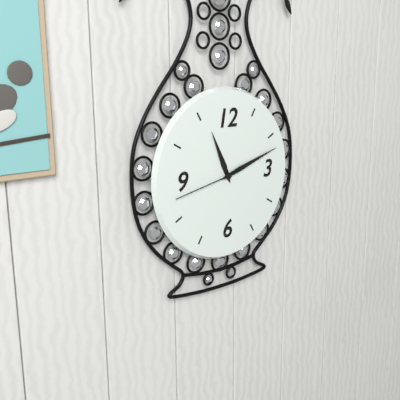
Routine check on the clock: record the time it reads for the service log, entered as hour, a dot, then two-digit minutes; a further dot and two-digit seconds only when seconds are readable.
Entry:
11.12.43
